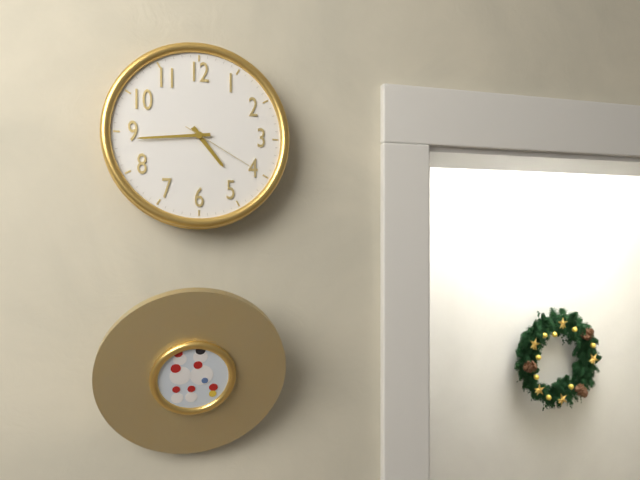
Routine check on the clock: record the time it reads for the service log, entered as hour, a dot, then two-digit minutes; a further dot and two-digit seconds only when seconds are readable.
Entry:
4.44.20
